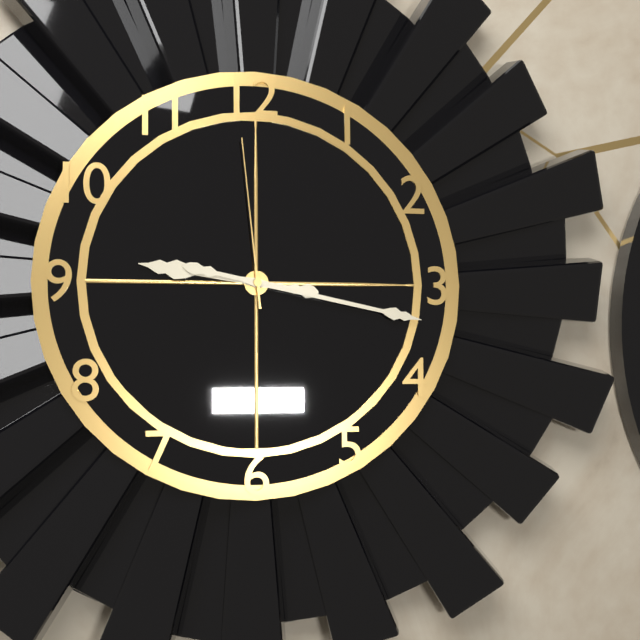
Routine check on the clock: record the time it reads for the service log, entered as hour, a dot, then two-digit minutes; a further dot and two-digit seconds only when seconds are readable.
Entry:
9.17.59
